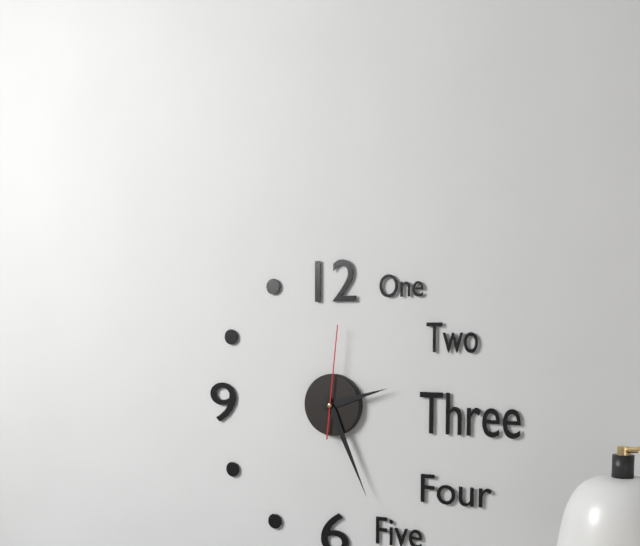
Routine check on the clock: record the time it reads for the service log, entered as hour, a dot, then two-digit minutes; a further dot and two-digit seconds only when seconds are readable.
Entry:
2.26.01
